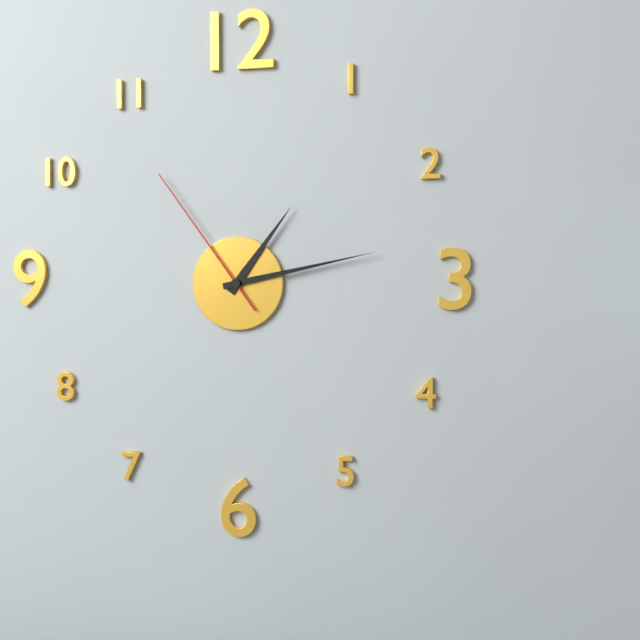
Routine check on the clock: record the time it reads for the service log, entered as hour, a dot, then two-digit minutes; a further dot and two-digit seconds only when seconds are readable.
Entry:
1.13.54
